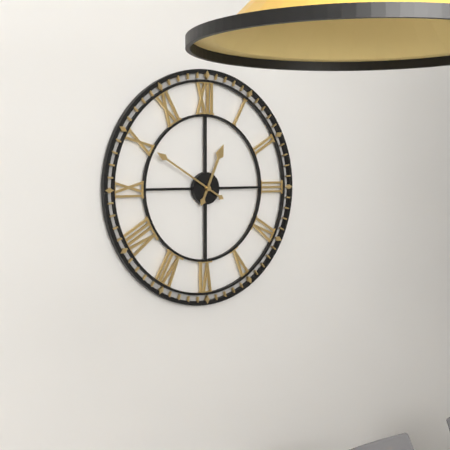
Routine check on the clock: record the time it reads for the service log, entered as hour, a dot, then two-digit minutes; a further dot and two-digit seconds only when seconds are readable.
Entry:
12.50
